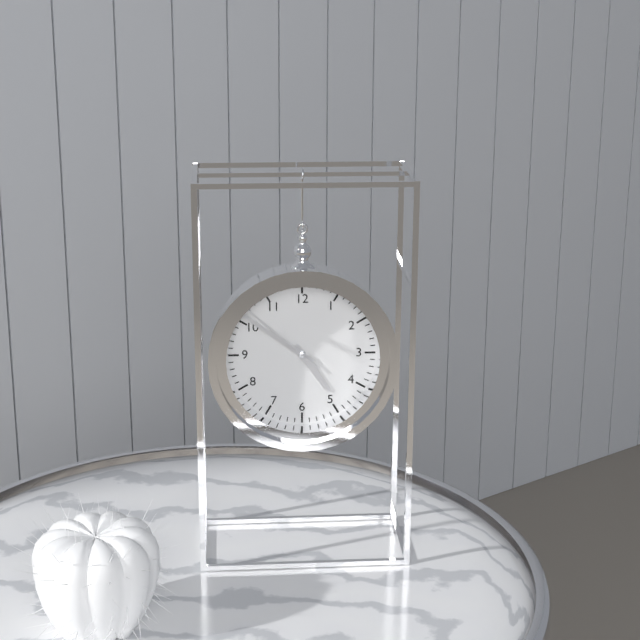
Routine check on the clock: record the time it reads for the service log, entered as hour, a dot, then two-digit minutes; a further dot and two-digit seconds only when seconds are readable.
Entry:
4.51.52
